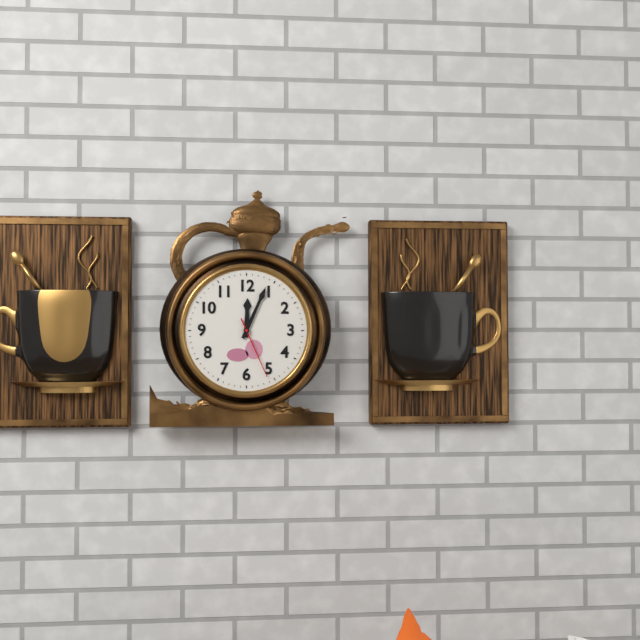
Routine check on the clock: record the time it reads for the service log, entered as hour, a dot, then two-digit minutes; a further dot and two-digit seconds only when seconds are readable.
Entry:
12.04.26
